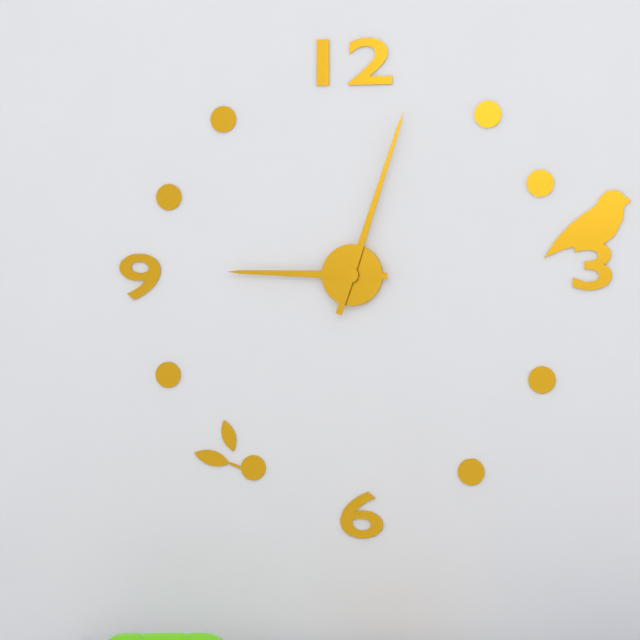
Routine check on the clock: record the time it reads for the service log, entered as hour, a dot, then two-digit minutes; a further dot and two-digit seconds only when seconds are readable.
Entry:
9.03
